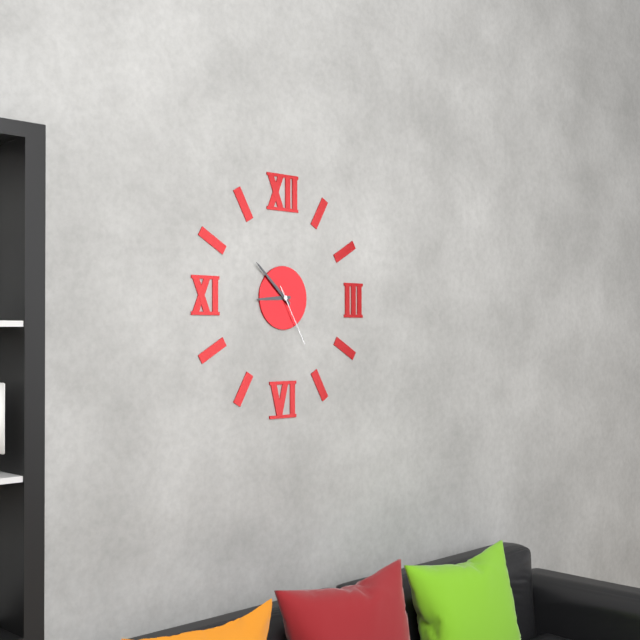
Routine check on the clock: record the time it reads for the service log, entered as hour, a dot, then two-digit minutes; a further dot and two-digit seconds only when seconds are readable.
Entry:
8.52.25
